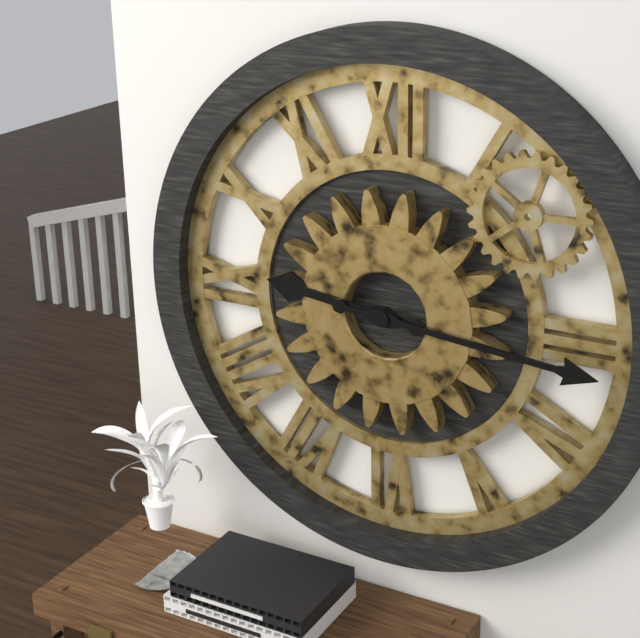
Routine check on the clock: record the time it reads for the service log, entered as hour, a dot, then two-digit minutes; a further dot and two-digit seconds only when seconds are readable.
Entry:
9.16
